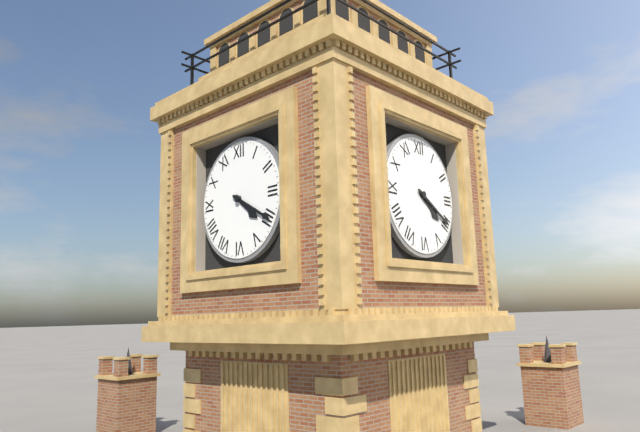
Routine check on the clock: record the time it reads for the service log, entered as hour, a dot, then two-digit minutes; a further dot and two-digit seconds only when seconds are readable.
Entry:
4.20
